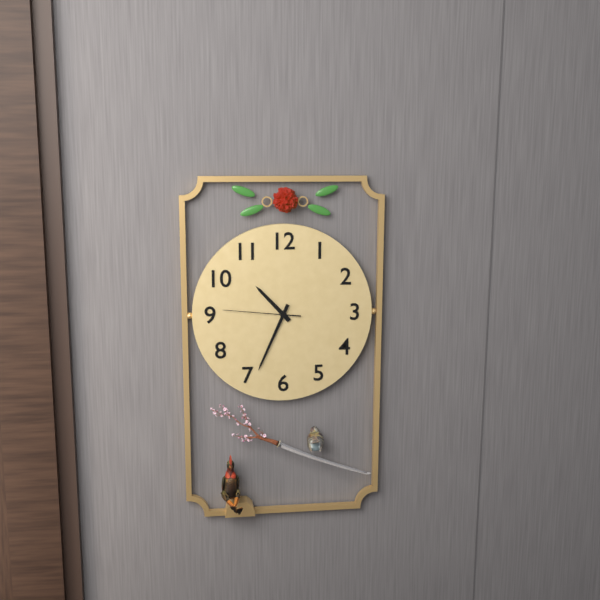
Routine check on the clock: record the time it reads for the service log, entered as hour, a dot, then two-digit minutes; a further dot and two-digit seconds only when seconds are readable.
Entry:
10.34.46
